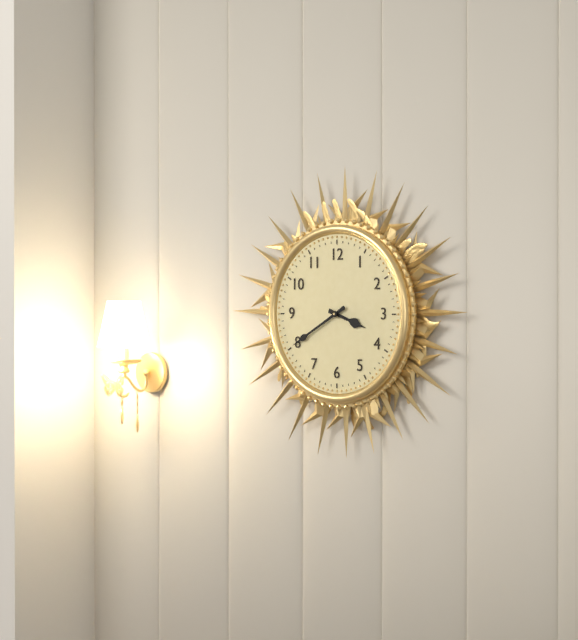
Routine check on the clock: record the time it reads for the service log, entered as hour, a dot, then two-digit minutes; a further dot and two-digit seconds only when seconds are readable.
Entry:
3.40
